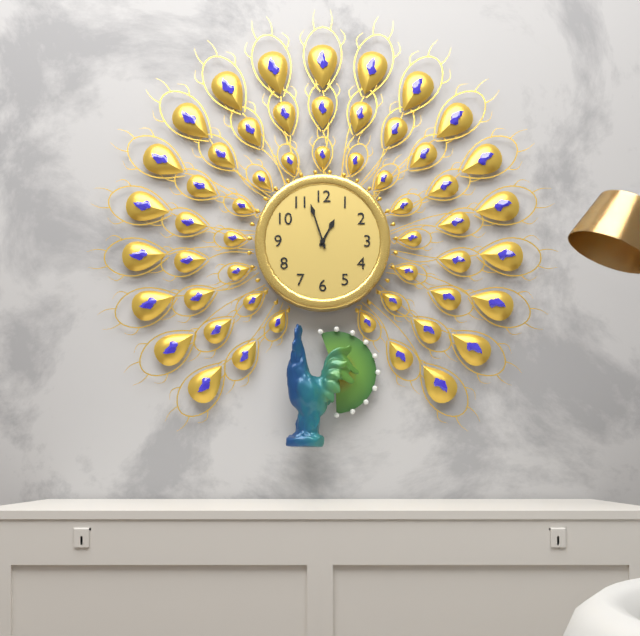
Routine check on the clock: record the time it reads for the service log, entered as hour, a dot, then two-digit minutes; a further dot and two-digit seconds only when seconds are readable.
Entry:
12.57
